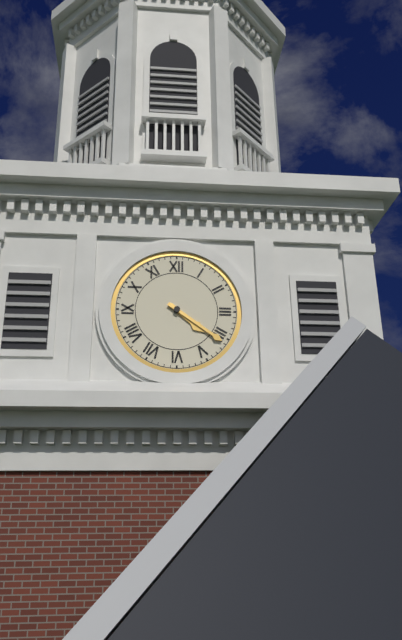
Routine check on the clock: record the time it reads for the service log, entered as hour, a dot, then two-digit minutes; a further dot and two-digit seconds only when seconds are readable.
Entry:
4.21
